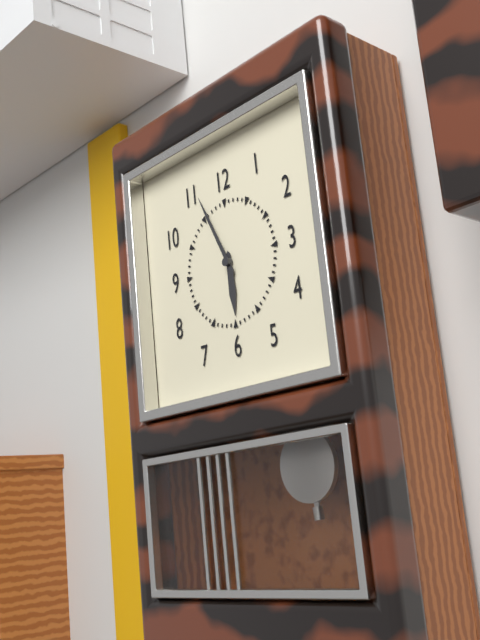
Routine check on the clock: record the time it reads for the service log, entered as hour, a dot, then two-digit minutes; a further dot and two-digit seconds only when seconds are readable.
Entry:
5.56
